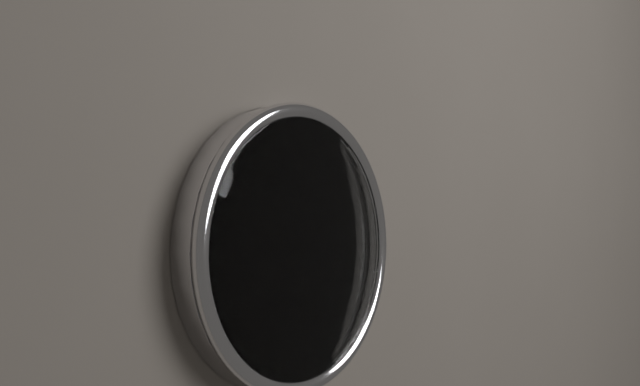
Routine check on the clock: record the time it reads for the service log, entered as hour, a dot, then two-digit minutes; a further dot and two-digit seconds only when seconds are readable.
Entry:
4.28
